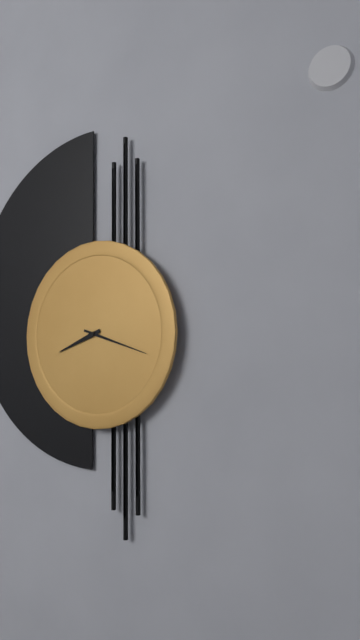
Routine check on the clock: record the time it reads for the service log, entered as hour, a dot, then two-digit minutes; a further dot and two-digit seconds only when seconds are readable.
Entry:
8.18
